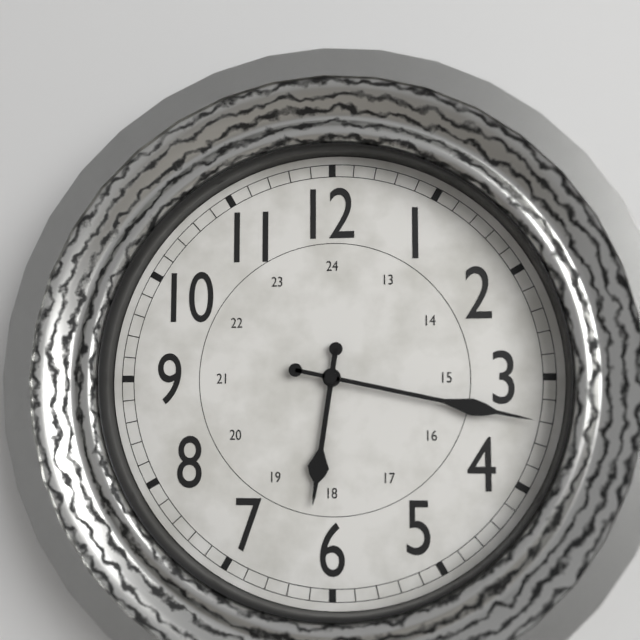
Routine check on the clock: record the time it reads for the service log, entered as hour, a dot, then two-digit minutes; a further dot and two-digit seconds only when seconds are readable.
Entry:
6.17
